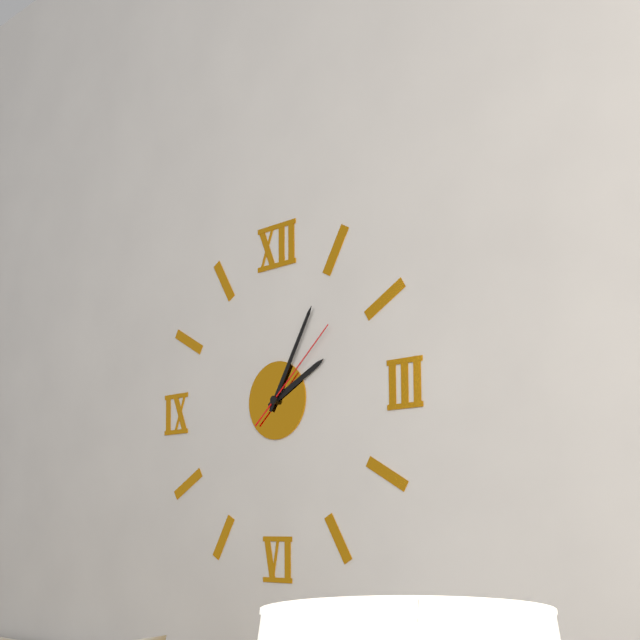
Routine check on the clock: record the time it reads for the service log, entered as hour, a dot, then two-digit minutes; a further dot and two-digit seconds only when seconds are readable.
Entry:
2.05.08
